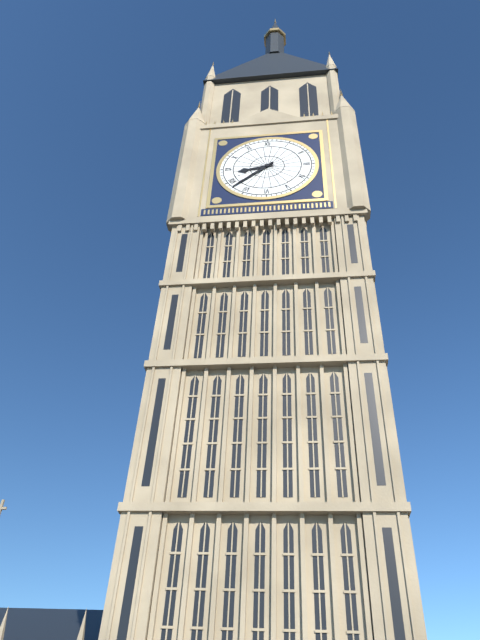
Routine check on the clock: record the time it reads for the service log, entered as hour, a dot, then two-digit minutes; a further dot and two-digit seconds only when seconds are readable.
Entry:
8.38
